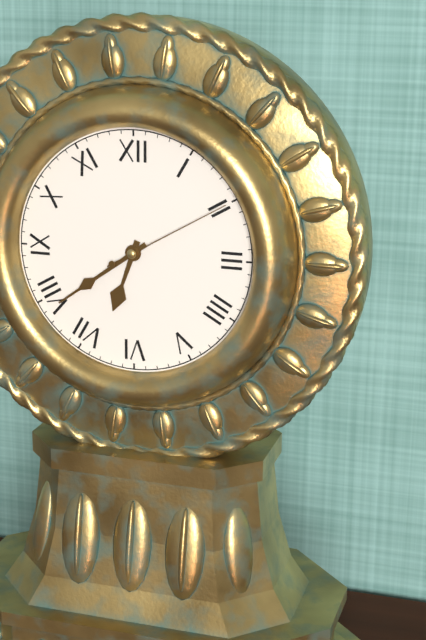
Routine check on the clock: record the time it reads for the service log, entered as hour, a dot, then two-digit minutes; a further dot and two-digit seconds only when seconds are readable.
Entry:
6.39.10
